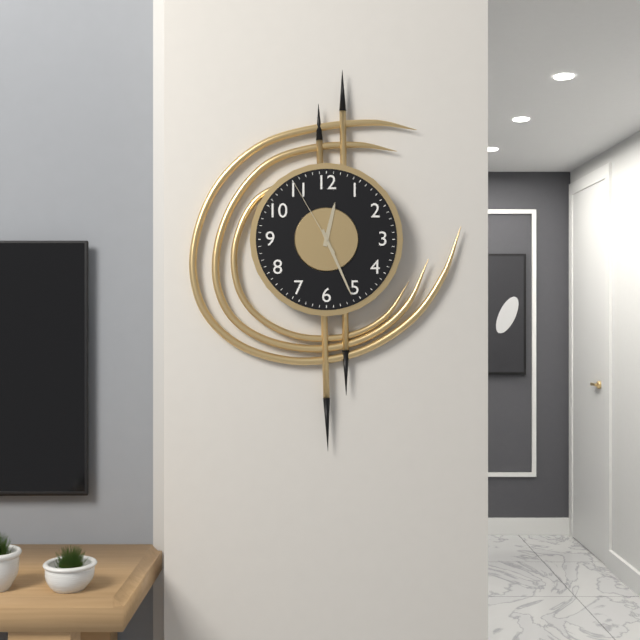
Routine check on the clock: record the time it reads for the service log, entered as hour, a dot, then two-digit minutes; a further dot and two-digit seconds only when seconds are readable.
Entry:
12.26.55
